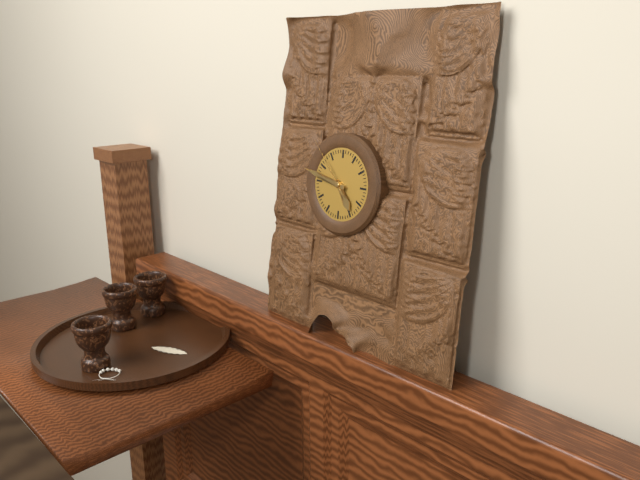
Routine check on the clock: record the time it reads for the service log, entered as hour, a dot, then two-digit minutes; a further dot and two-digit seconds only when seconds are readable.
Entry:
4.47.53
